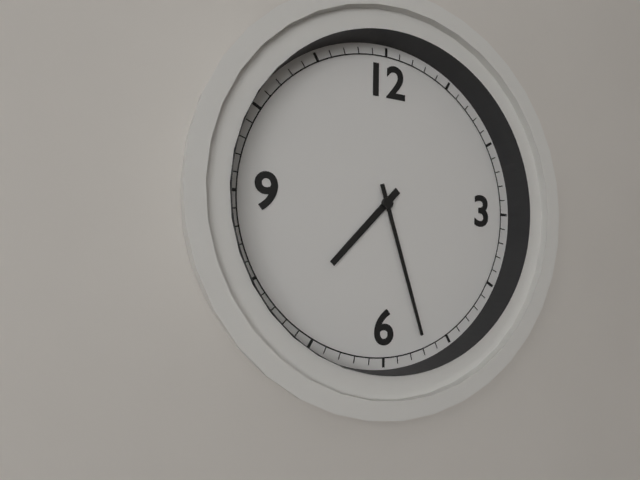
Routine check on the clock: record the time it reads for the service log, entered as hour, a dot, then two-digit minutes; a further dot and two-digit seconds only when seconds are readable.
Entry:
7.27
